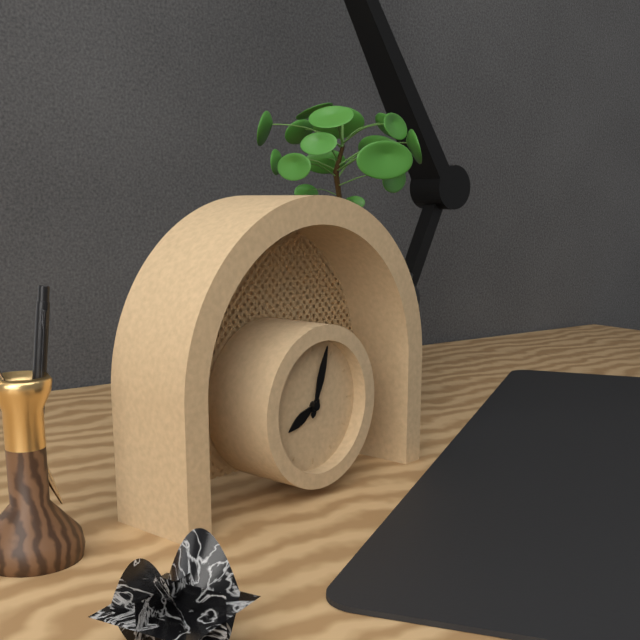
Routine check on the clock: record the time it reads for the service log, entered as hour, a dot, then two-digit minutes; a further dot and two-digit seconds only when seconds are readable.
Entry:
8.03
